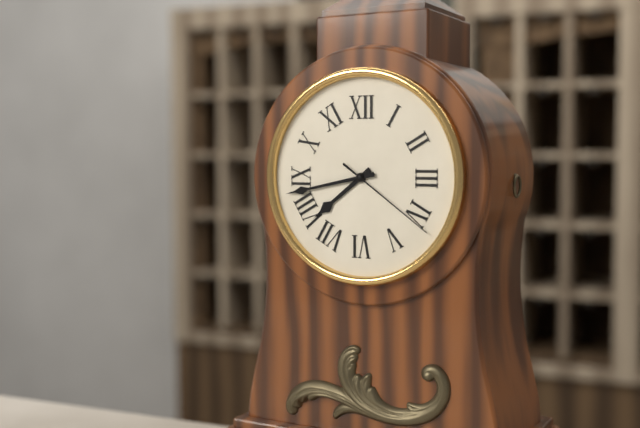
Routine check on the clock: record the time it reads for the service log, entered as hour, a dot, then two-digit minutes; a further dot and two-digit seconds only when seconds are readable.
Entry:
7.43.21
